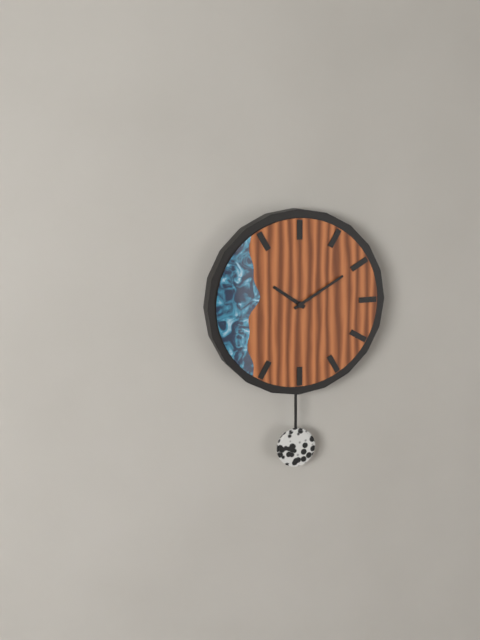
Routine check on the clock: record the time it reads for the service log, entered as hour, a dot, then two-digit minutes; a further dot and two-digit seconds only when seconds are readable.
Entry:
10.10
